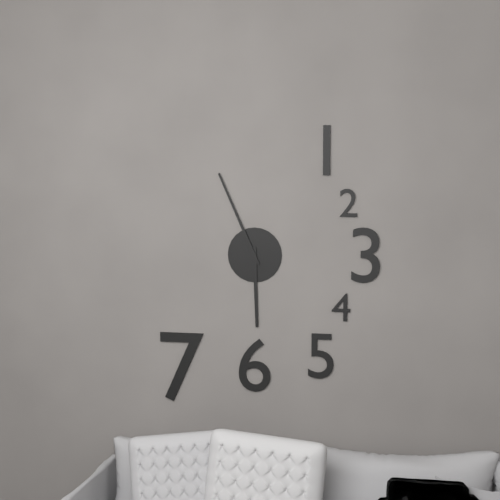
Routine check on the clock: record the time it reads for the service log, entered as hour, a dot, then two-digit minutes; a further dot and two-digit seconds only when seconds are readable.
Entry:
5.56
